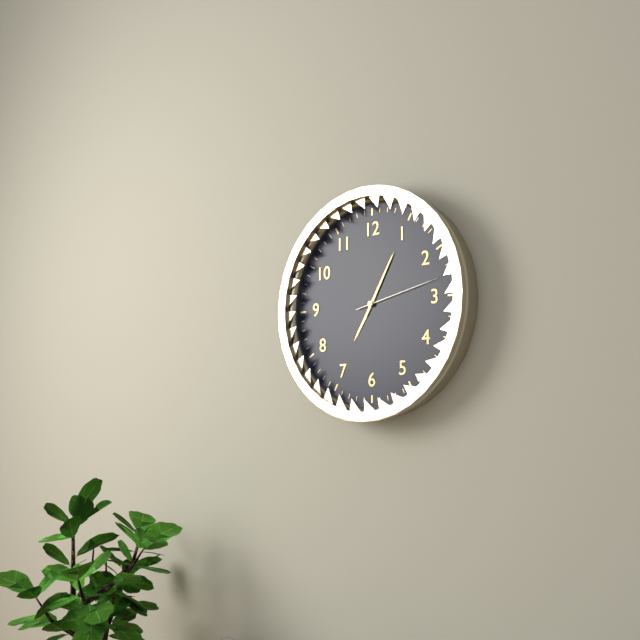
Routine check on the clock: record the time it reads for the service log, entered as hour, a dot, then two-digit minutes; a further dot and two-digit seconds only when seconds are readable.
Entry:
7.05.13
